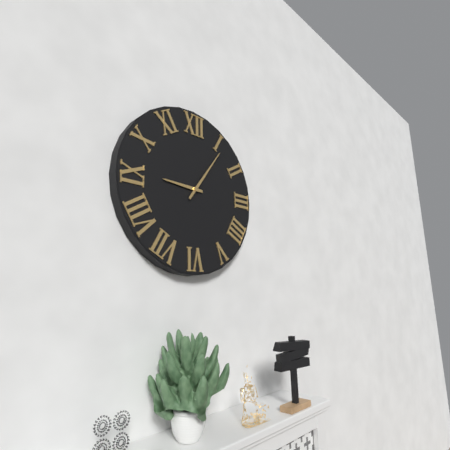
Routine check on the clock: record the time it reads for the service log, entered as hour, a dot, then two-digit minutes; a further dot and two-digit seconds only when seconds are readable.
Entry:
9.06
